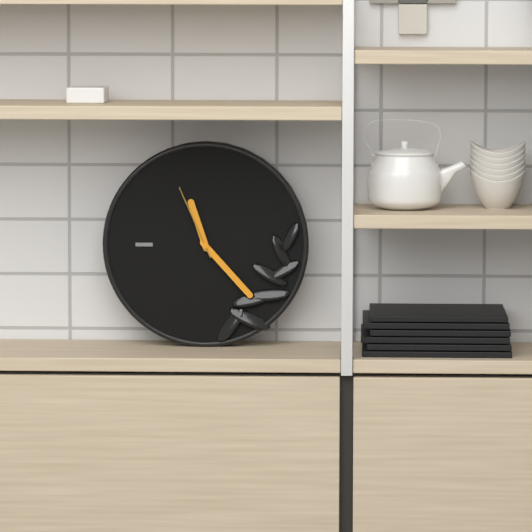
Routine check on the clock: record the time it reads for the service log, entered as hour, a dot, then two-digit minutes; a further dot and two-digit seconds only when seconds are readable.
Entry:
11.23.56
